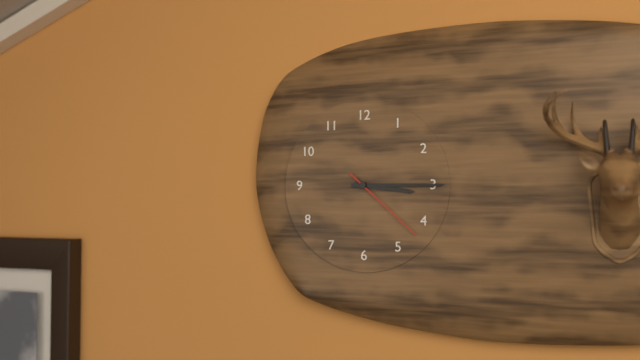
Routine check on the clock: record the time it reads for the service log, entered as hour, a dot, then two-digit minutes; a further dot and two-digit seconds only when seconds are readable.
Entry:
3.15.22
